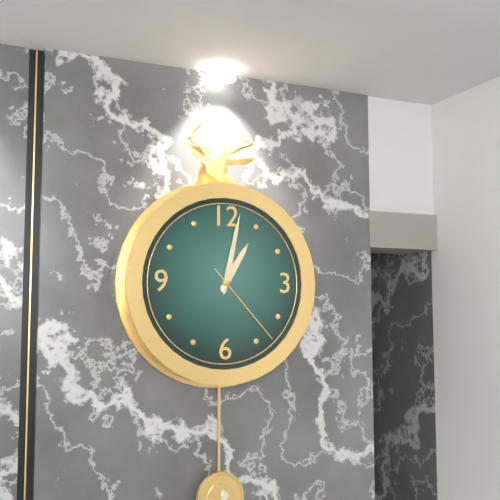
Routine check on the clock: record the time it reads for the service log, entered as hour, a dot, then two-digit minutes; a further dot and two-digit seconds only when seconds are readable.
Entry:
1.02.23
